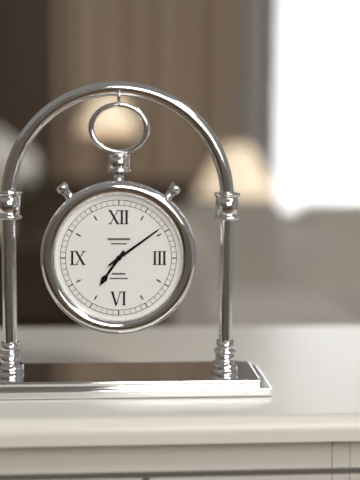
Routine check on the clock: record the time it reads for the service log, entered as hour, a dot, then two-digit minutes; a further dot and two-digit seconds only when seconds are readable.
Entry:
7.09
